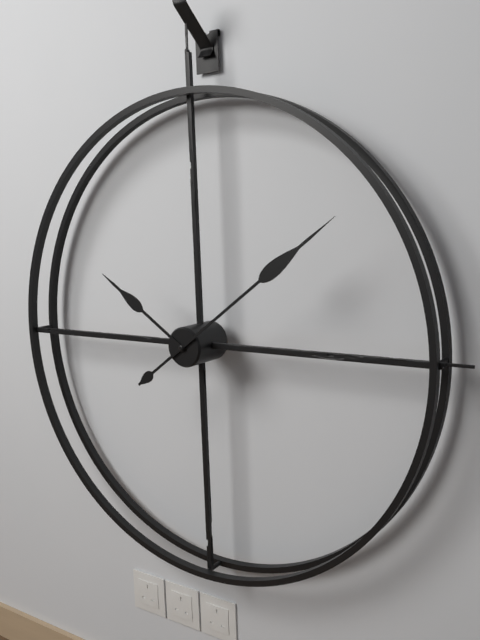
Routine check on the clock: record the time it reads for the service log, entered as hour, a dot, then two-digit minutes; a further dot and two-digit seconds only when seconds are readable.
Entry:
10.09
